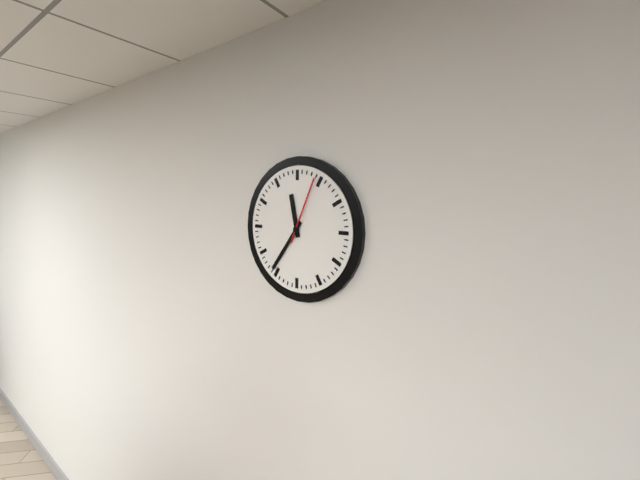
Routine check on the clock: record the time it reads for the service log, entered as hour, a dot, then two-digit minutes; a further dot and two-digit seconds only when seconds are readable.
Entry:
11.36.04
